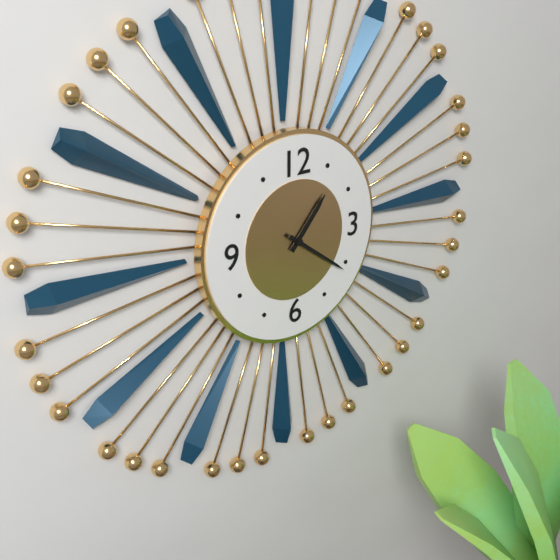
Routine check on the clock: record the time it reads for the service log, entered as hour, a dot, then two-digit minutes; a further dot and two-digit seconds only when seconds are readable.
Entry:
1.21
